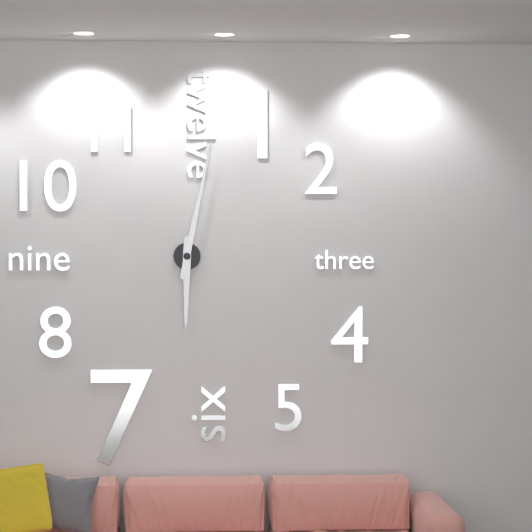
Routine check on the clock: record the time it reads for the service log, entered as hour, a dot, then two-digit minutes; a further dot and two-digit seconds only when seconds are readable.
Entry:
6.02
